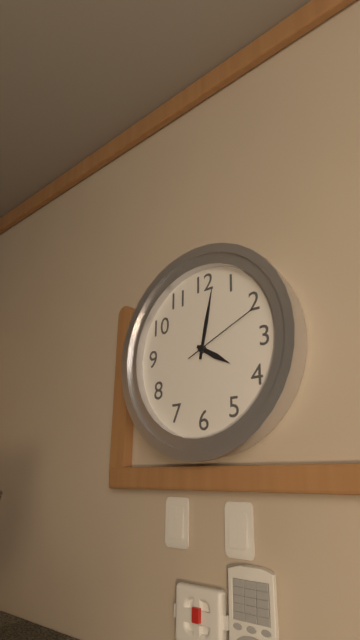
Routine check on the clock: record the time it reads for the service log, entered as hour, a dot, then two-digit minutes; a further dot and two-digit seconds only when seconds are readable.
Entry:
4.02.11
